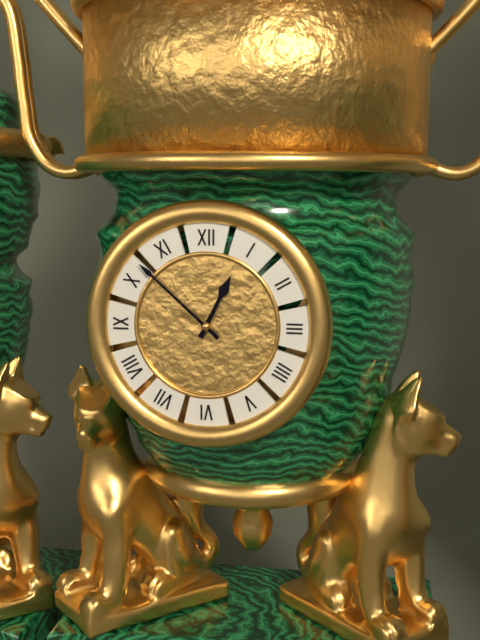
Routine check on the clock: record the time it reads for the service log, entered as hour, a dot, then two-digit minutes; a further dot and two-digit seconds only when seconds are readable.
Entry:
12.52
